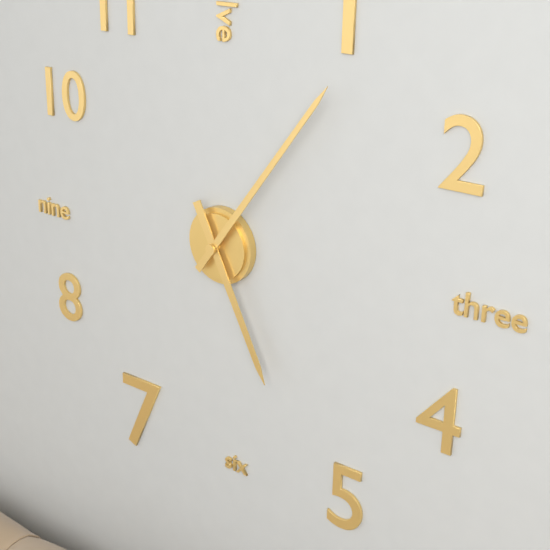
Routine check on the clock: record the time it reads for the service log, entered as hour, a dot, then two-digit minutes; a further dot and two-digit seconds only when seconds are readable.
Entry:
5.06
